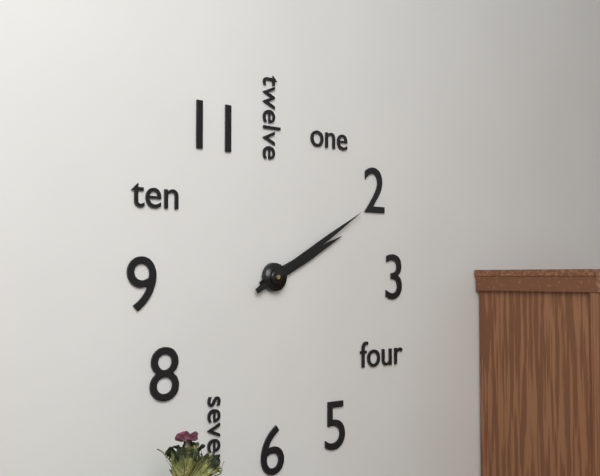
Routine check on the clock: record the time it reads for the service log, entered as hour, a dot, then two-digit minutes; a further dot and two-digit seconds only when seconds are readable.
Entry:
2.10
